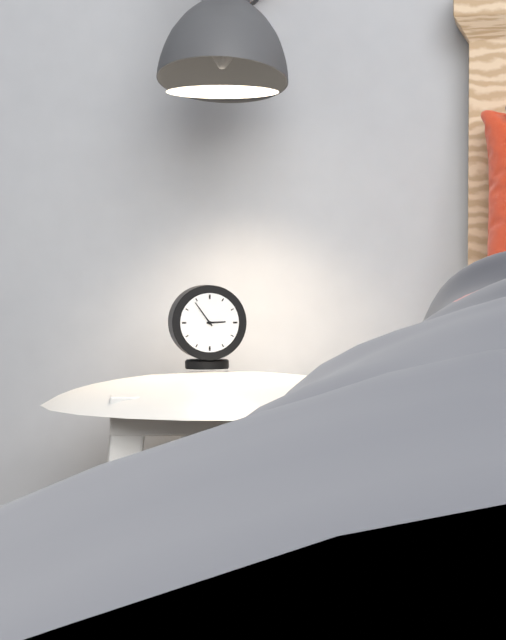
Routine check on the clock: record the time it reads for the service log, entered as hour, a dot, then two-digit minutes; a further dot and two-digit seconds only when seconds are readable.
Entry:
2.54
